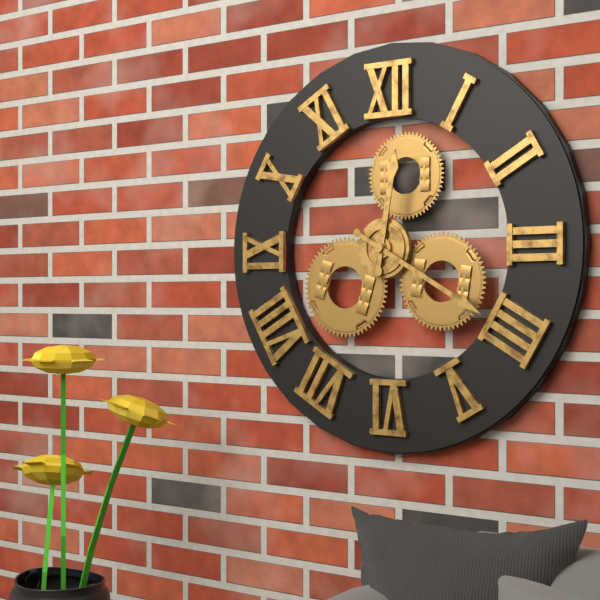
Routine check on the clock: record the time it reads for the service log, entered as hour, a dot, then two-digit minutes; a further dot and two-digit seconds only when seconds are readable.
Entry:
12.20
